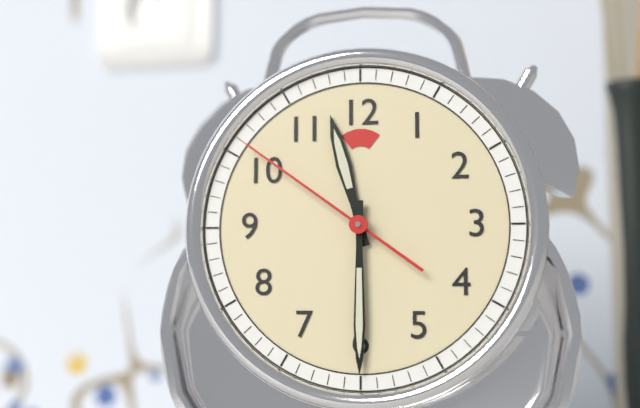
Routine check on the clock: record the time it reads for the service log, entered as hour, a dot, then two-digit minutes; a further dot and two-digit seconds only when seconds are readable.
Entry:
11.30.51
